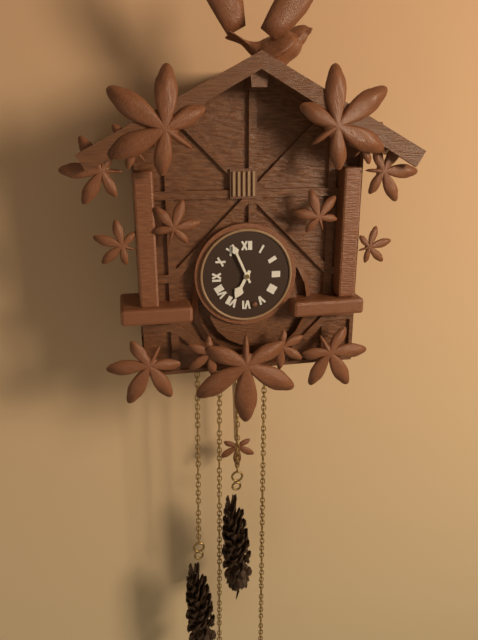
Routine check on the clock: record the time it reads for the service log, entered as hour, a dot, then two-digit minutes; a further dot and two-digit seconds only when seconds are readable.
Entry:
6.56
